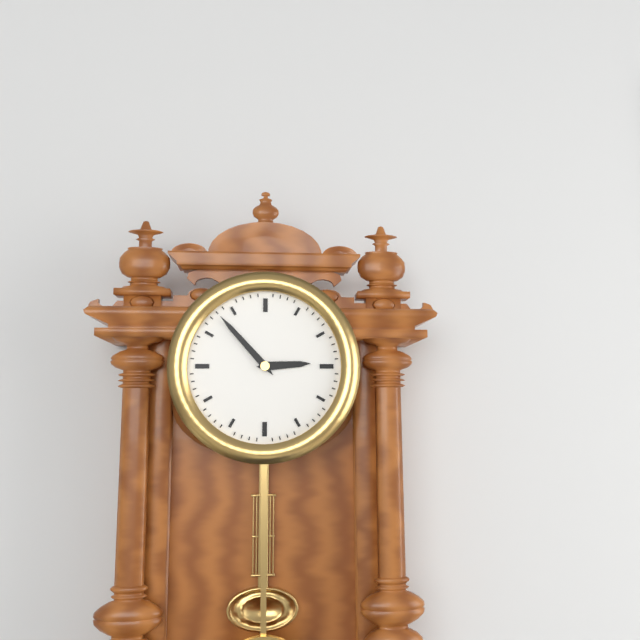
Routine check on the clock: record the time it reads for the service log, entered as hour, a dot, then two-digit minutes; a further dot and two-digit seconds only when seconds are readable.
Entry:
2.53
